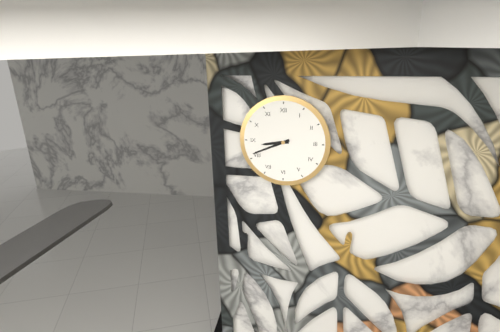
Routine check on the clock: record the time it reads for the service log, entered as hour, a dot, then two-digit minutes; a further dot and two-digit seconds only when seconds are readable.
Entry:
8.41
